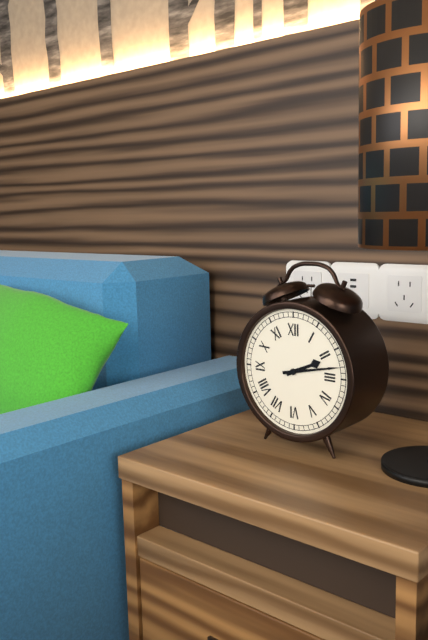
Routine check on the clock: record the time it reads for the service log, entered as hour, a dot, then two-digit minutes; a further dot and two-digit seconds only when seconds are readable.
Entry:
2.13
